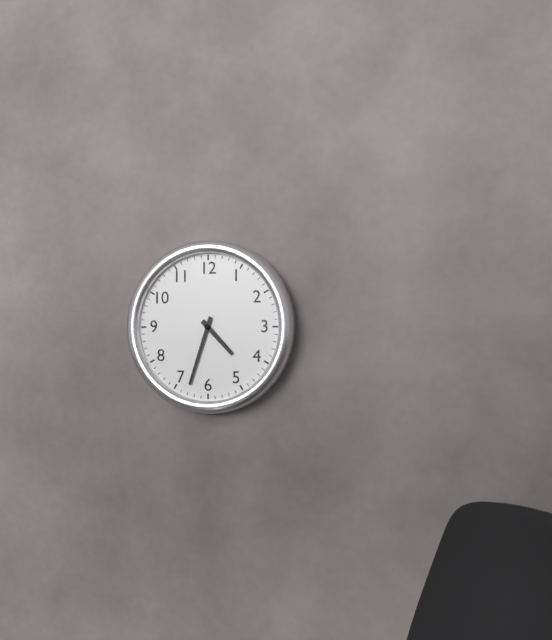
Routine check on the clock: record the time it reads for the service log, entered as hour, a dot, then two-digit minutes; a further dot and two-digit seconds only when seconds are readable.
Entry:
4.33
